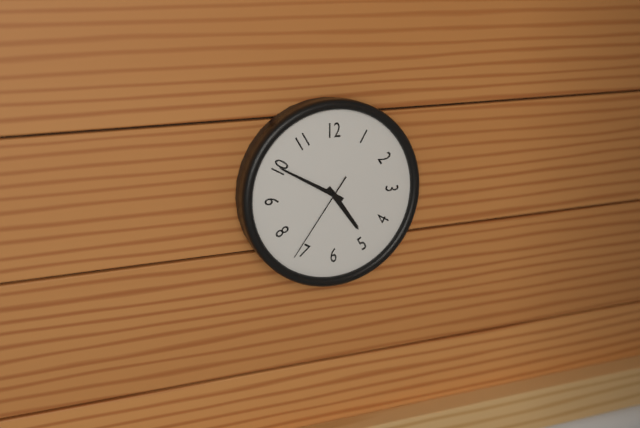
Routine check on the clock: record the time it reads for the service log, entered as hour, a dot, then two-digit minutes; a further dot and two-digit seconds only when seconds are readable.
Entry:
4.50.36
